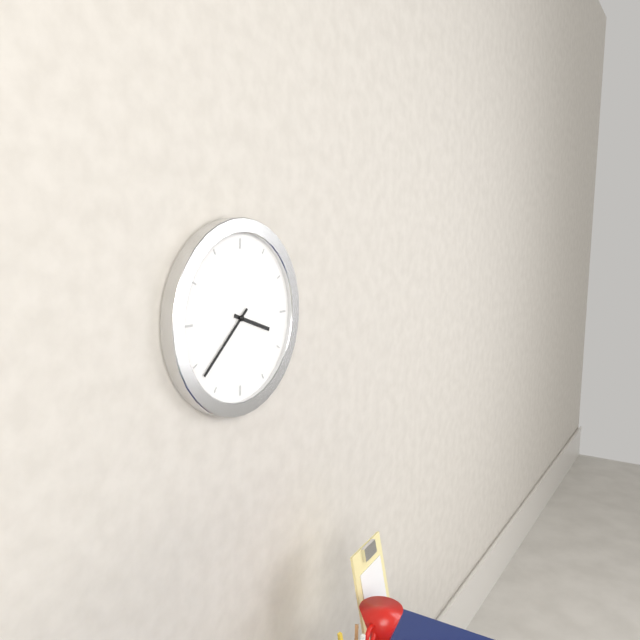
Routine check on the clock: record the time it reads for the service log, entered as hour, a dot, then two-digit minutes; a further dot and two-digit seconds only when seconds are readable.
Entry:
3.38
